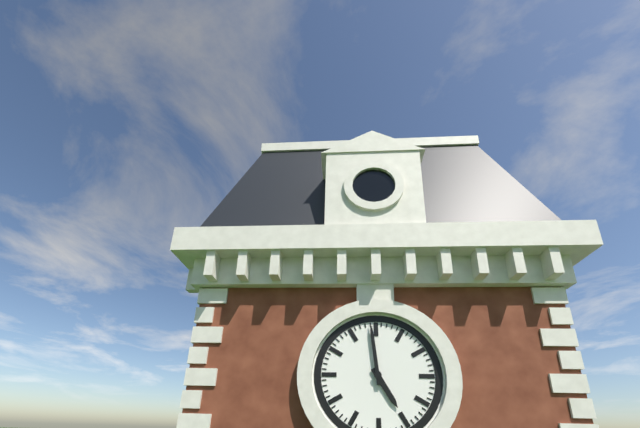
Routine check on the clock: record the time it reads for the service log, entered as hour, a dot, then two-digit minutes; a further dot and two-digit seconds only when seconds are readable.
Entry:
4.59
